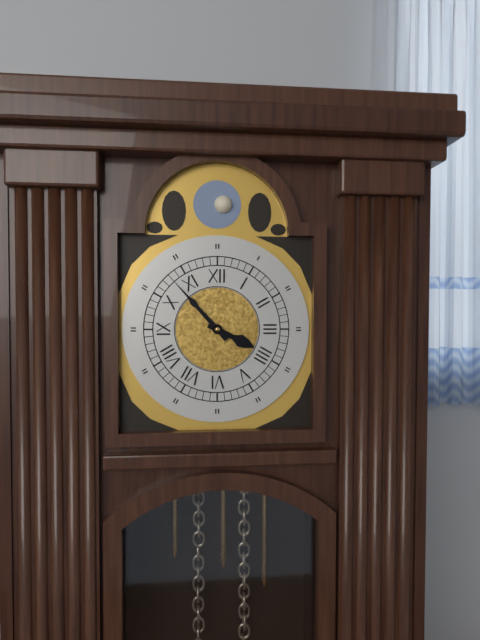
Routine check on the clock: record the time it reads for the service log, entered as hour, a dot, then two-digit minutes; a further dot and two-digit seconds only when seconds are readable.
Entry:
3.53
